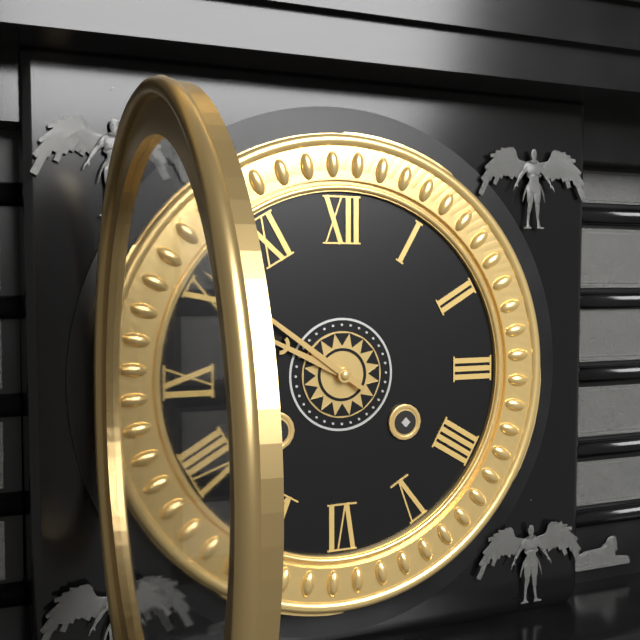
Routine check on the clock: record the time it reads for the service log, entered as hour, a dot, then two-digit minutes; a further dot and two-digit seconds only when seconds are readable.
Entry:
9.51
